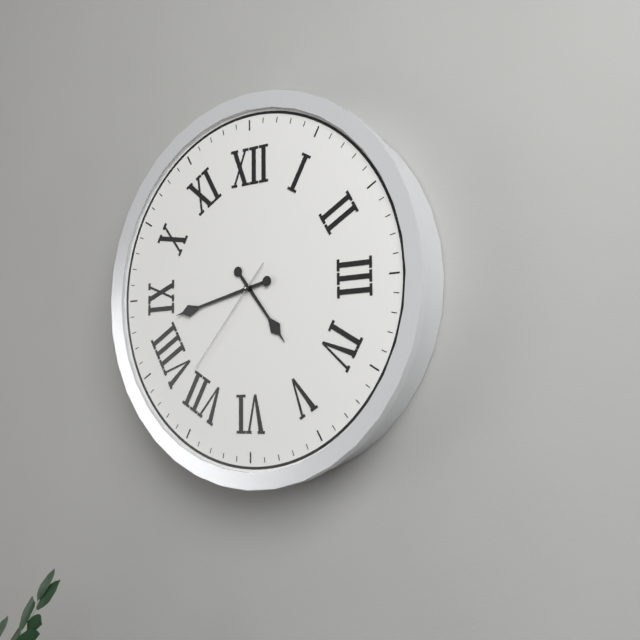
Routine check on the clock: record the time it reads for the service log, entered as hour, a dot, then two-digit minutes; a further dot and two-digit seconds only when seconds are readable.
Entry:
4.43.37
